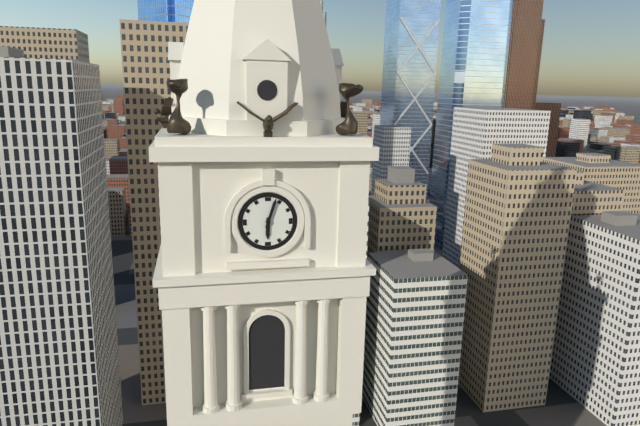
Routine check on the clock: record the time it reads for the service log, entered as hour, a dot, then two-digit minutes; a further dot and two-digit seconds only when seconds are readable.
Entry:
6.03
